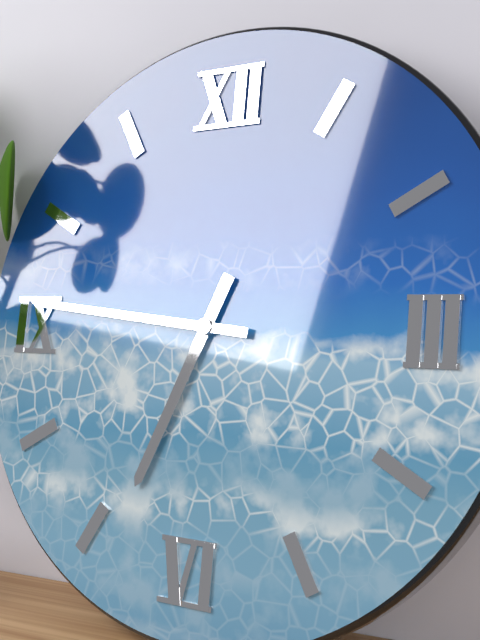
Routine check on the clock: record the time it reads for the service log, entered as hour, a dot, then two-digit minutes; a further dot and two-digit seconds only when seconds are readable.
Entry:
6.46
